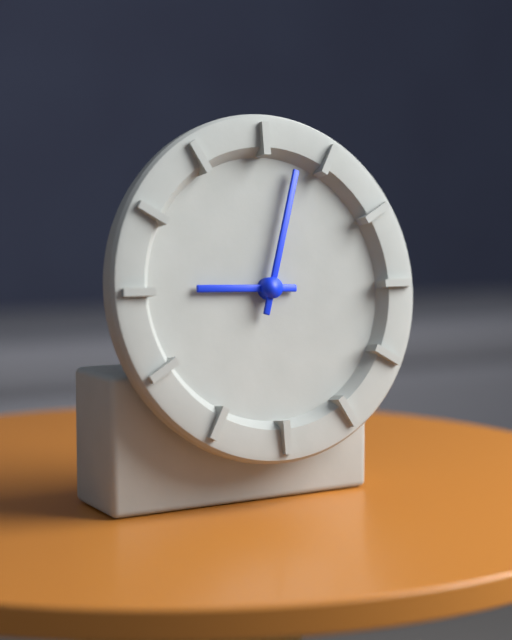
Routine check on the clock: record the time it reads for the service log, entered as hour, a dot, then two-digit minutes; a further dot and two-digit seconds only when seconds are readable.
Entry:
9.03
